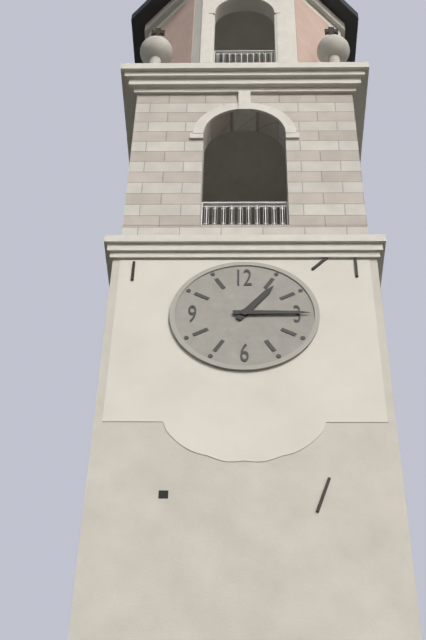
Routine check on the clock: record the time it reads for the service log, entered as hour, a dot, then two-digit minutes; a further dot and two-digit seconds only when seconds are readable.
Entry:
1.15
